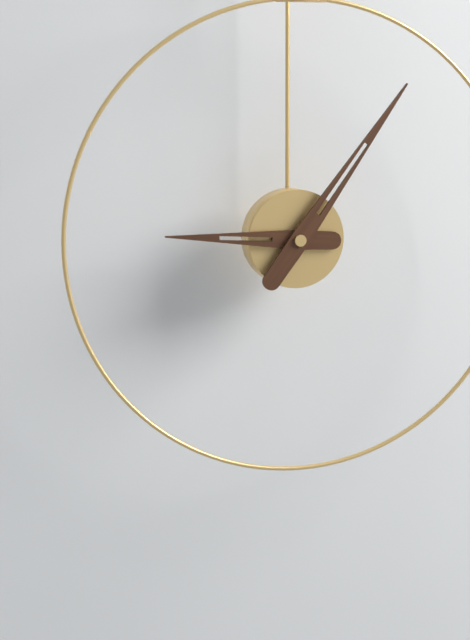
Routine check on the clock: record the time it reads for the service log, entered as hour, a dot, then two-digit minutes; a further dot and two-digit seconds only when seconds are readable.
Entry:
9.06
